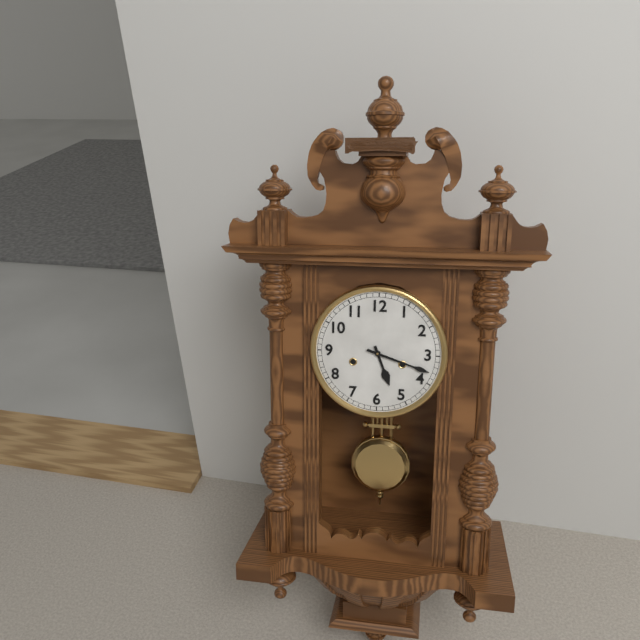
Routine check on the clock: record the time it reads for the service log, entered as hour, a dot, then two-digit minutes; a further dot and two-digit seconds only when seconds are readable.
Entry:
5.18
